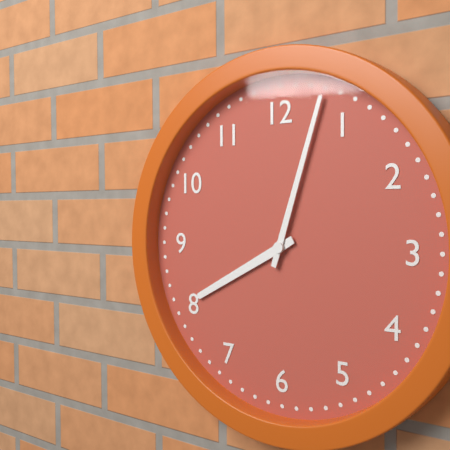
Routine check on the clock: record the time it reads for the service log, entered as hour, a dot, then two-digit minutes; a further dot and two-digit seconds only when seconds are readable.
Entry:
8.03
